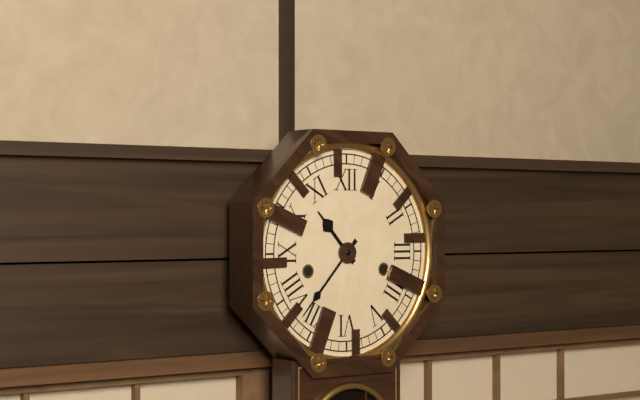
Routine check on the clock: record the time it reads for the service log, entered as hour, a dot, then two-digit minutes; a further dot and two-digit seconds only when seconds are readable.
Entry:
10.37
